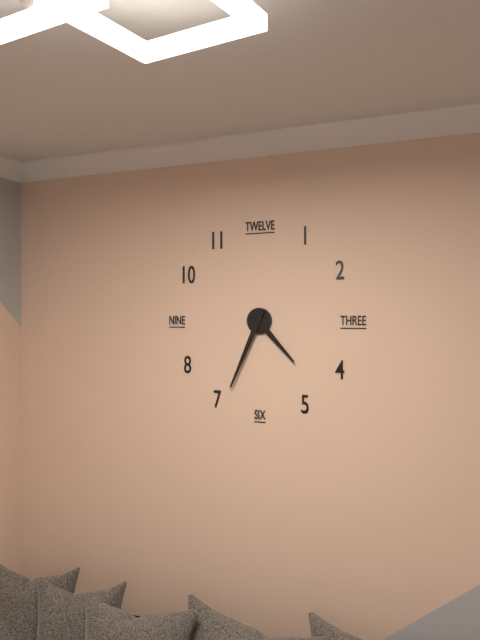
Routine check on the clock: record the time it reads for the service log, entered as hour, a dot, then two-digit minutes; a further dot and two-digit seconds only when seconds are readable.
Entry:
4.34
